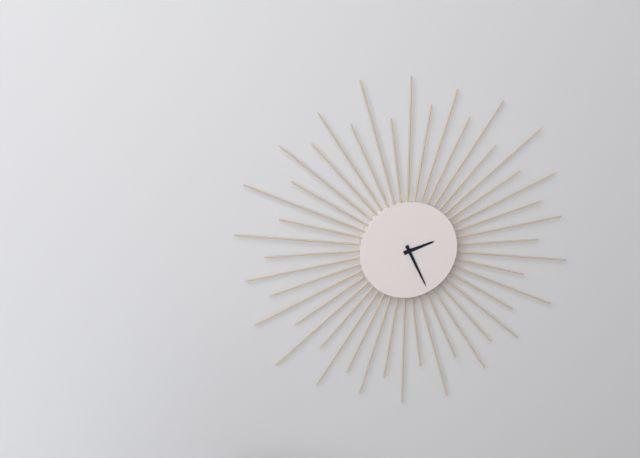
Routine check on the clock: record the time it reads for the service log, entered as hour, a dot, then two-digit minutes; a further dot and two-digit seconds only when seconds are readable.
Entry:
2.26
